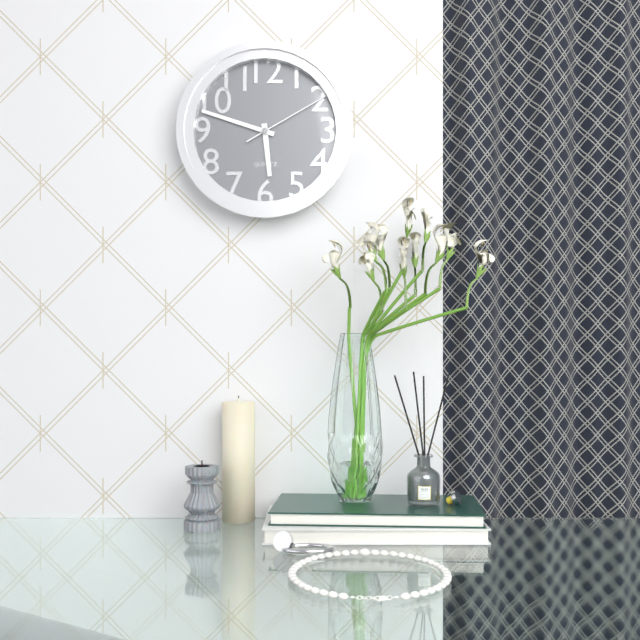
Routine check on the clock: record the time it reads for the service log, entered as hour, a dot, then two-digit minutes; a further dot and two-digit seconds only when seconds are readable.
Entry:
5.48.10
